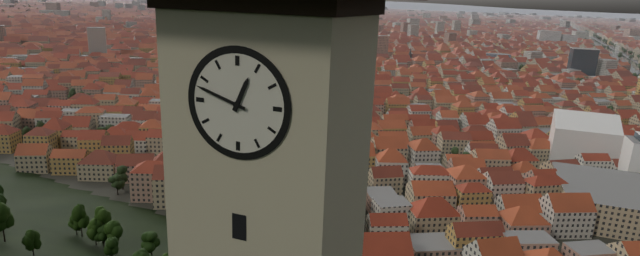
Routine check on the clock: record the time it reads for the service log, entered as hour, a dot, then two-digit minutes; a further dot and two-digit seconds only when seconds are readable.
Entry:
12.48
